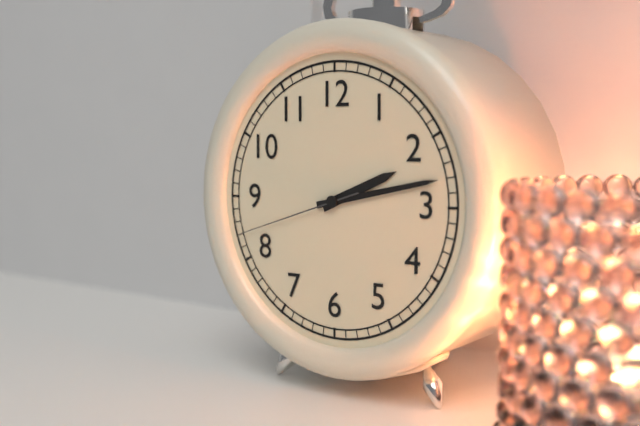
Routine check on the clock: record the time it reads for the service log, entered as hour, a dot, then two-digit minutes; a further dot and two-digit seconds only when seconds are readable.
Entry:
2.13.42
